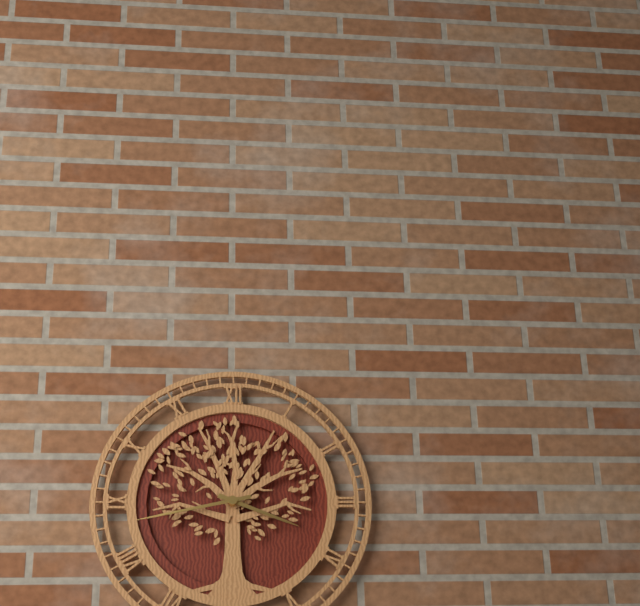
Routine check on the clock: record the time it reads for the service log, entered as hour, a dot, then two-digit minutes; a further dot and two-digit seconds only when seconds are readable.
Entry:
3.43
